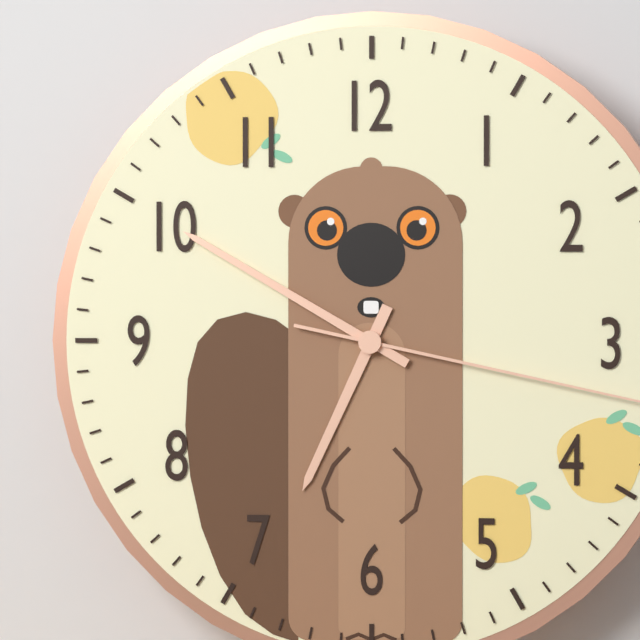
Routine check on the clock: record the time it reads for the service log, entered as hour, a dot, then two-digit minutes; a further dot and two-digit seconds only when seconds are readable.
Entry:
6.50
